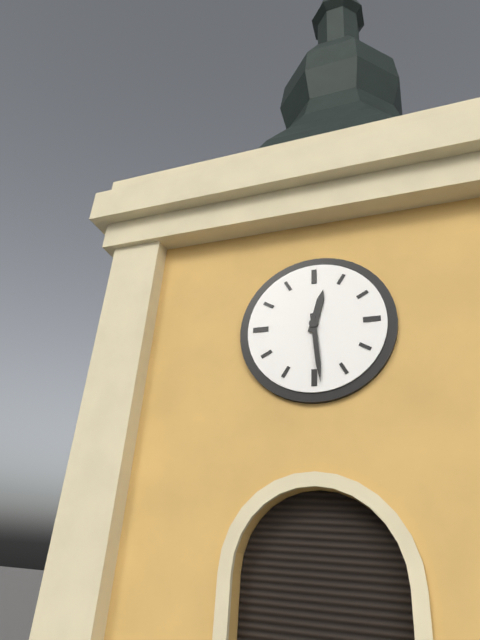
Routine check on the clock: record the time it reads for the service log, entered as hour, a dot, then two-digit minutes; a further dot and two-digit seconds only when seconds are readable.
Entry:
12.29
